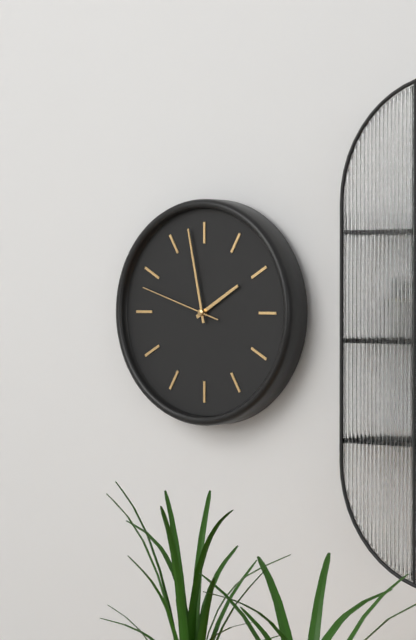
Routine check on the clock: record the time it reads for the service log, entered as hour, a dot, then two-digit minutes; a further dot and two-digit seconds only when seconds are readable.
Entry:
1.58.48
